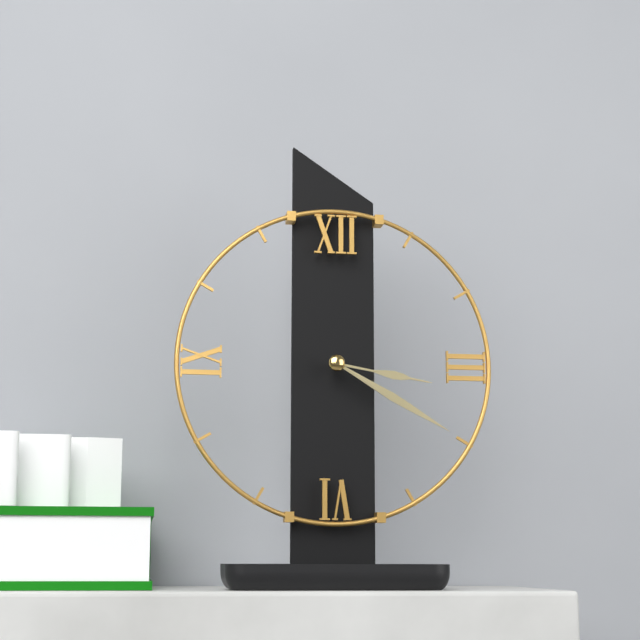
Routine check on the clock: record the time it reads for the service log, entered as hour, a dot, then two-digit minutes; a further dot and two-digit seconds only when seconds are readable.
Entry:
3.20
